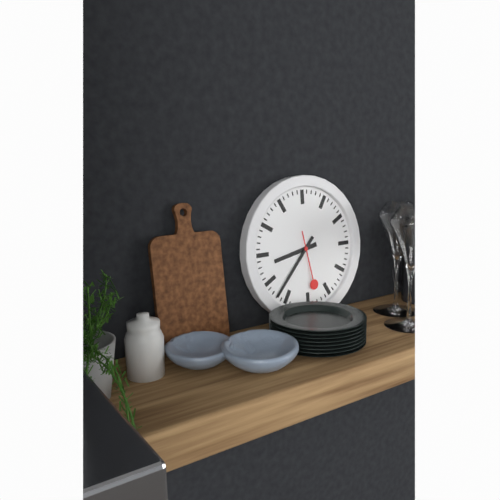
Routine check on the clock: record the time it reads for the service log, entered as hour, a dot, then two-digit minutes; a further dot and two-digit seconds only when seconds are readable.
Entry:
8.37.28
